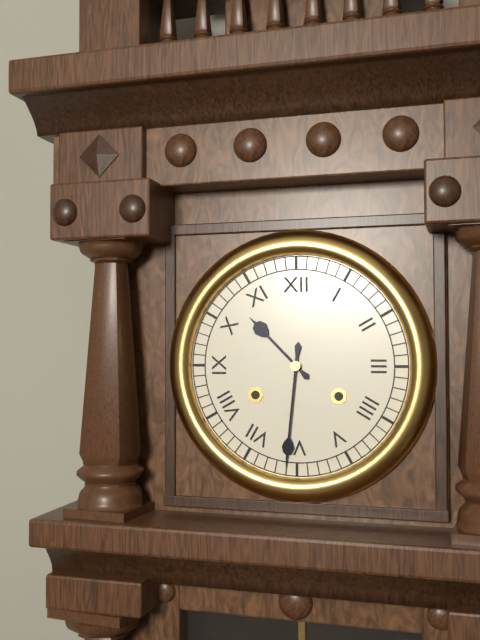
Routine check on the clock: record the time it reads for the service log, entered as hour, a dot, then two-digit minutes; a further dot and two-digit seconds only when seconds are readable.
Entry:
10.31
